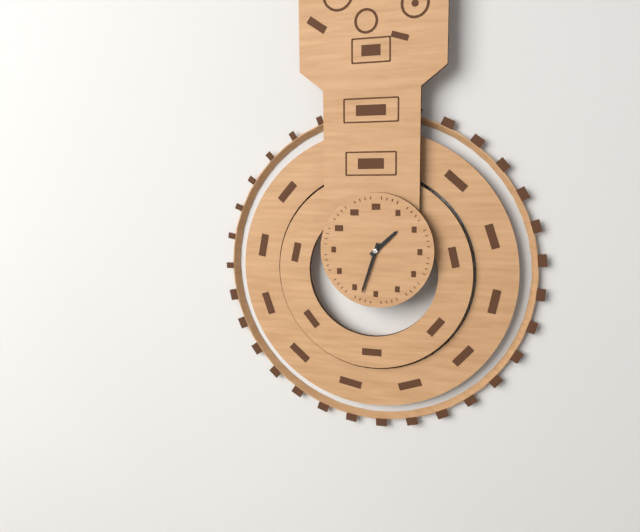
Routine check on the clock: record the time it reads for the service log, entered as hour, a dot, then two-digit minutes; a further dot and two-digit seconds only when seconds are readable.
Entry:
1.33
